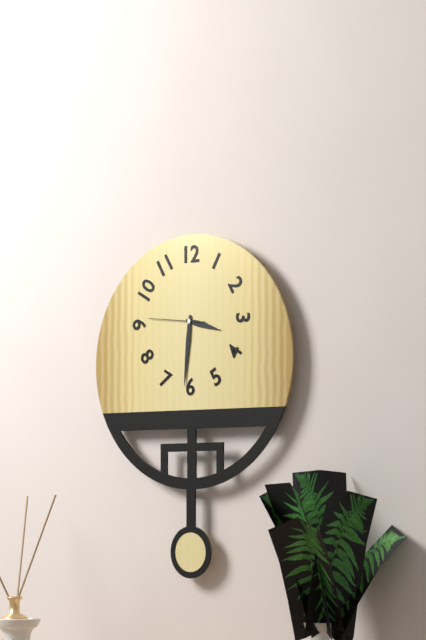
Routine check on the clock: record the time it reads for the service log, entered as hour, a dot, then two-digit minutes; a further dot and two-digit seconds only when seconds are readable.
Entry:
3.31.46
